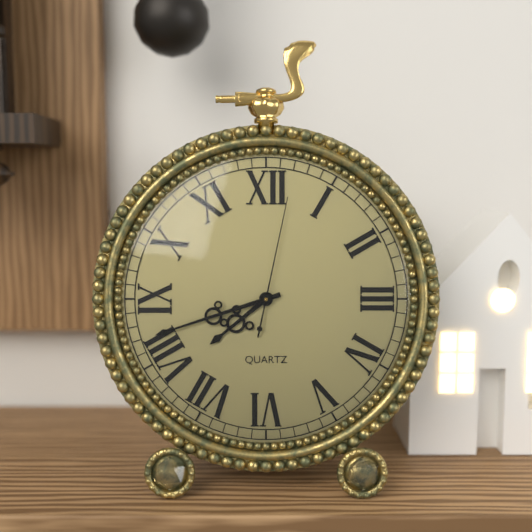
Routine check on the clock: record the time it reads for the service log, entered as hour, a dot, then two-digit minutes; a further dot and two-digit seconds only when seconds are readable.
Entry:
7.42.02
